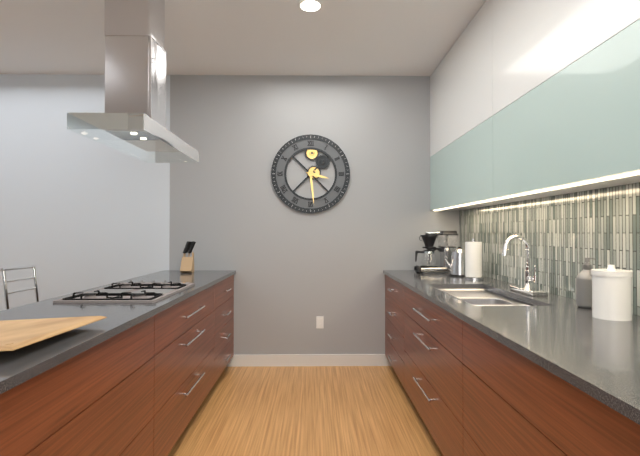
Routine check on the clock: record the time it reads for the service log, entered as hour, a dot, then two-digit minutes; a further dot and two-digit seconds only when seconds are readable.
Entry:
3.29
